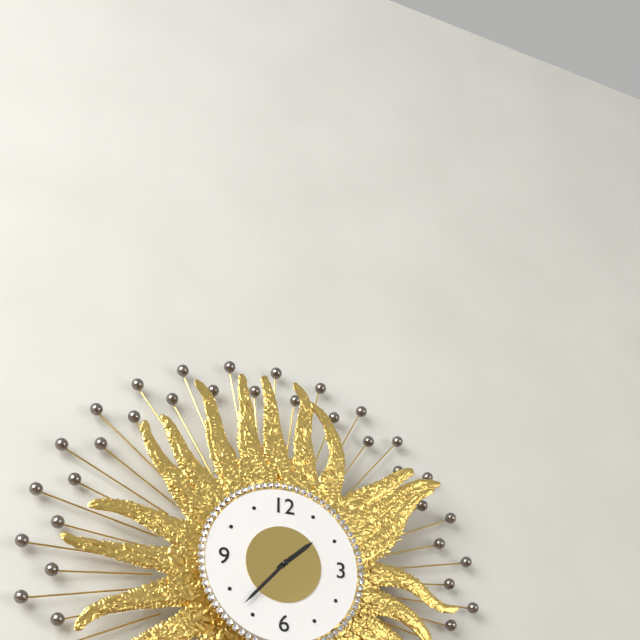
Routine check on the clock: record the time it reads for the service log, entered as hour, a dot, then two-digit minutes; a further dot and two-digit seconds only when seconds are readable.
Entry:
1.37
